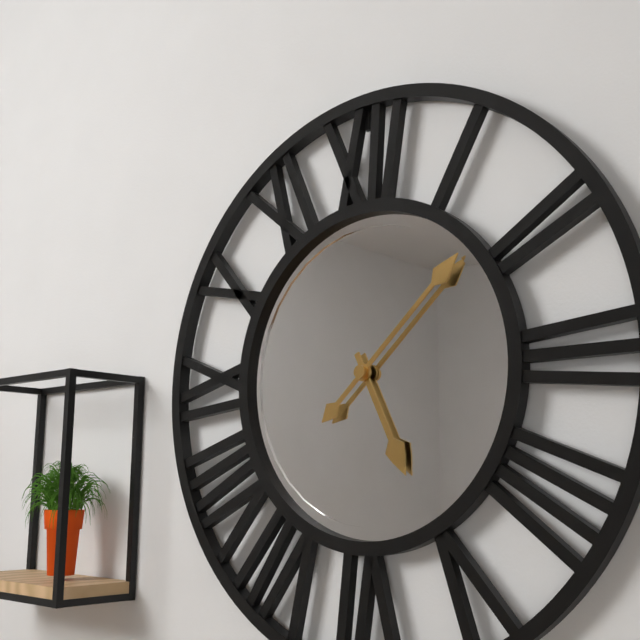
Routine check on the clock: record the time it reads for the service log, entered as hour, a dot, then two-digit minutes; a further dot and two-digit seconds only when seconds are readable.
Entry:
5.08
